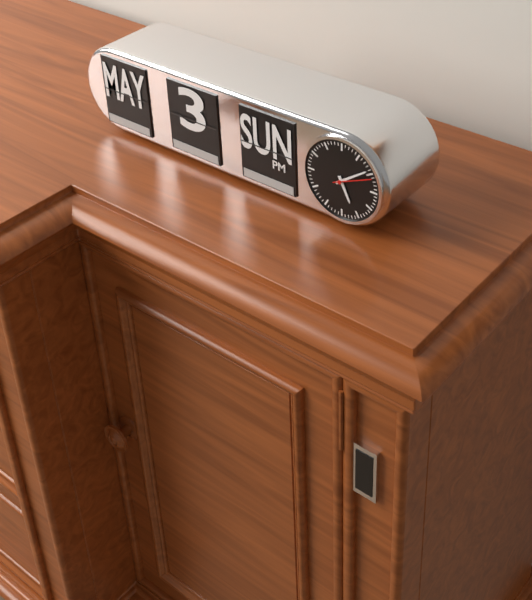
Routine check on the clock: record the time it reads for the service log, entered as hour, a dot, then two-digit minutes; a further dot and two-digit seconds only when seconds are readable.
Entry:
5.09
